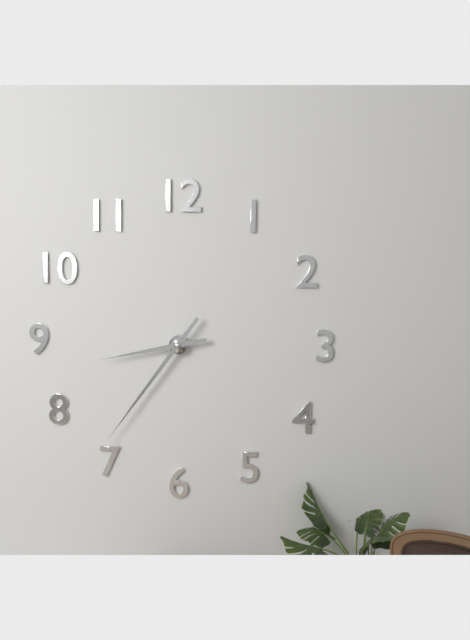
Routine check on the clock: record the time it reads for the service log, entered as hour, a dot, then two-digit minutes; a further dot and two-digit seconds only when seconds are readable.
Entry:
8.36
